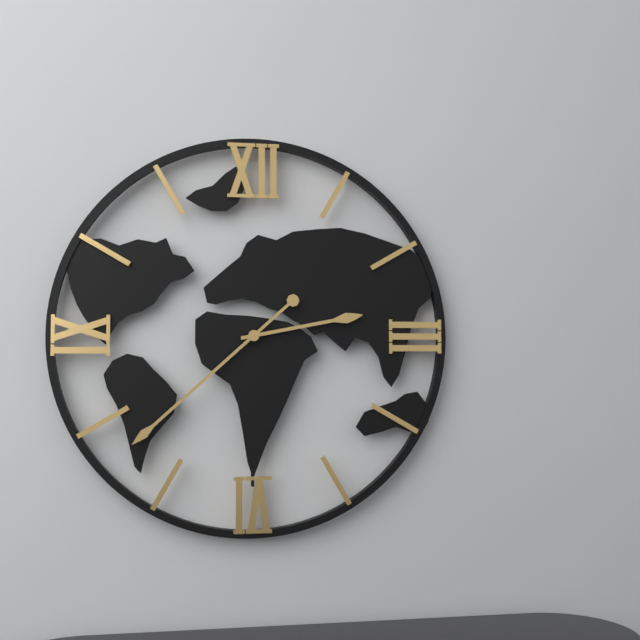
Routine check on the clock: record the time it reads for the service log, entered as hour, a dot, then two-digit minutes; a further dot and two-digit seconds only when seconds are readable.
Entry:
2.38
